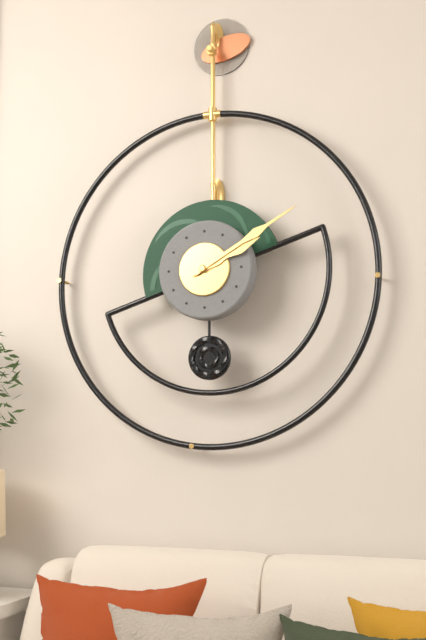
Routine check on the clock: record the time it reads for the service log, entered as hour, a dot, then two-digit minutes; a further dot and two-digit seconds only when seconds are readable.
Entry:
2.10
